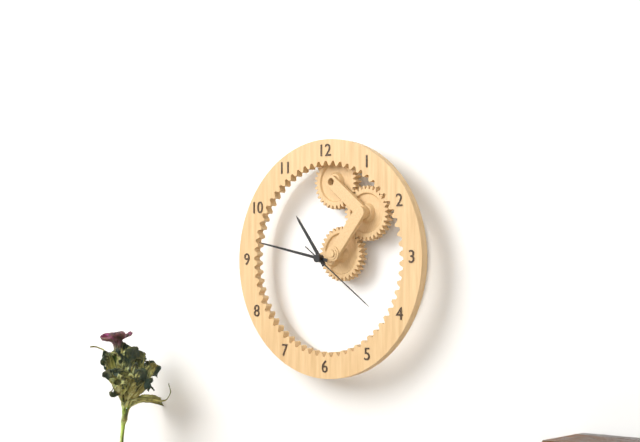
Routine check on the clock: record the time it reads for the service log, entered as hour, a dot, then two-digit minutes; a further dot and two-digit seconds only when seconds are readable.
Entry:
10.47.21
